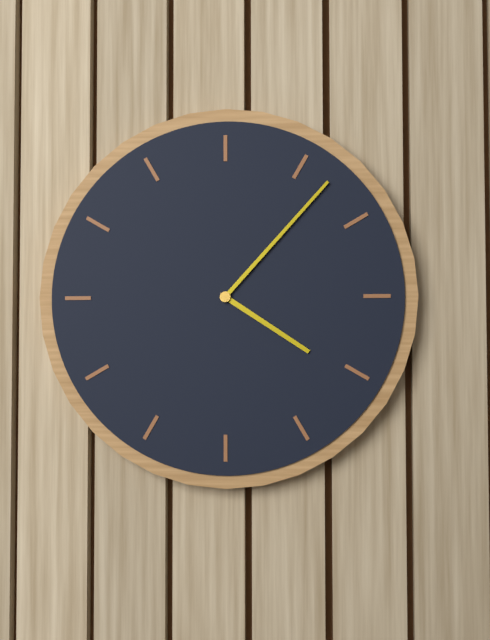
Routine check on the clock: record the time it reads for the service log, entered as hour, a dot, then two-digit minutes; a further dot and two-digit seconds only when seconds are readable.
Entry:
4.07
